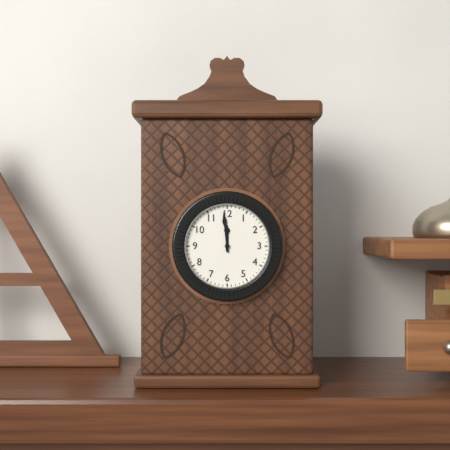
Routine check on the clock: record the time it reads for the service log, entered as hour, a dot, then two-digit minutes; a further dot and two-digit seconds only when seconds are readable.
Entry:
11.59
